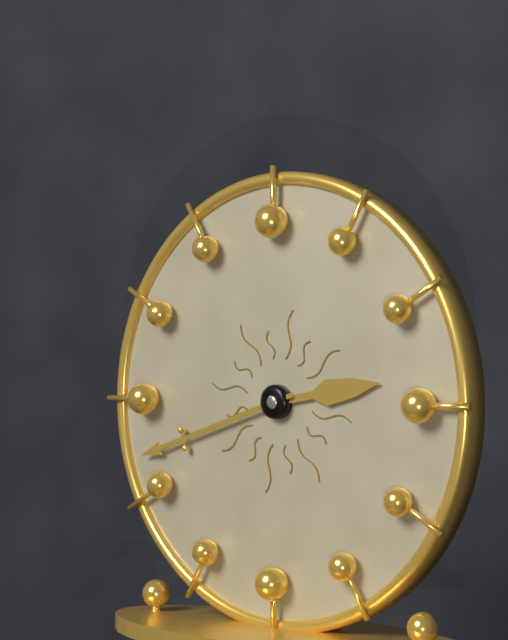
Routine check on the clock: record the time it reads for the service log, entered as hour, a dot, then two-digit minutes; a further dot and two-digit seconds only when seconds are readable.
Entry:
2.42
